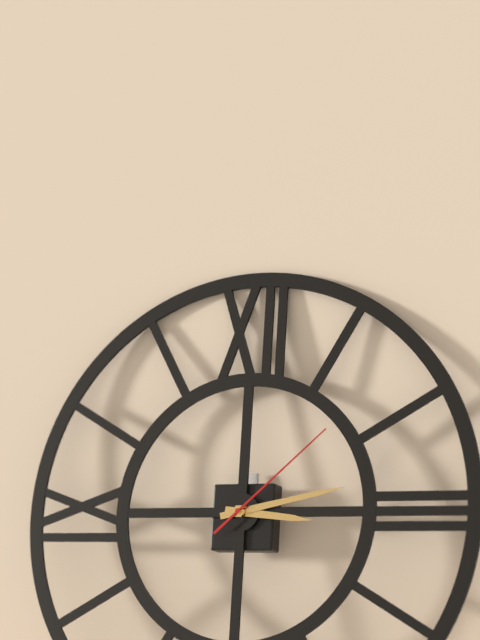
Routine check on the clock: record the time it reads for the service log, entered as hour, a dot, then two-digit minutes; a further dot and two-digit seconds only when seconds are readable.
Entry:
3.13.08
